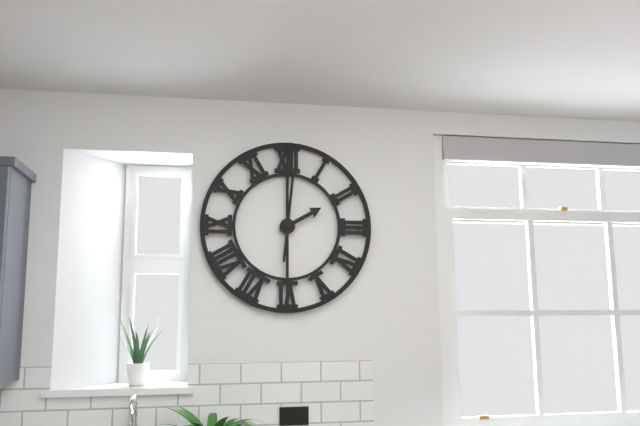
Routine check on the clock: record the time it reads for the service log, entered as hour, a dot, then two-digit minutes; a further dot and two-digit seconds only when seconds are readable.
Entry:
2.01
